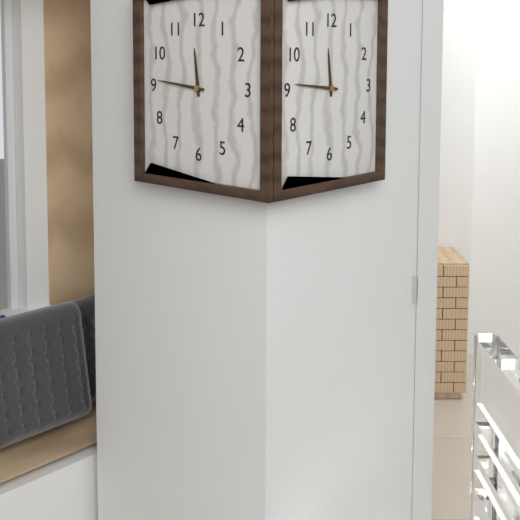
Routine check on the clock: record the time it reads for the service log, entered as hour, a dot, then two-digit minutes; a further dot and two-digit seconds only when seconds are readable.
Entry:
11.46
